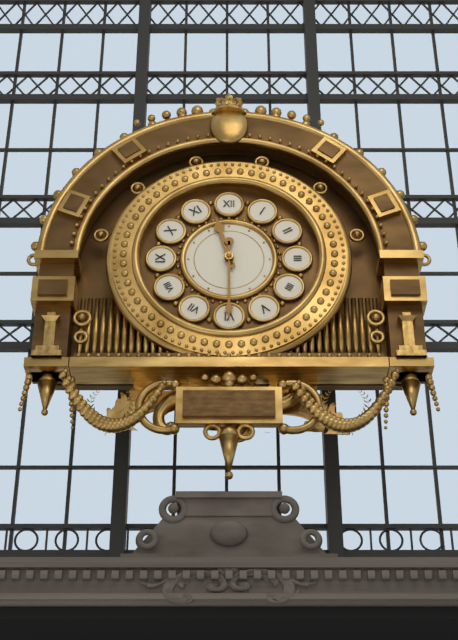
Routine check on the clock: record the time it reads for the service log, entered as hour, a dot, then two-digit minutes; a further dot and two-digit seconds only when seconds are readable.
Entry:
11.30
